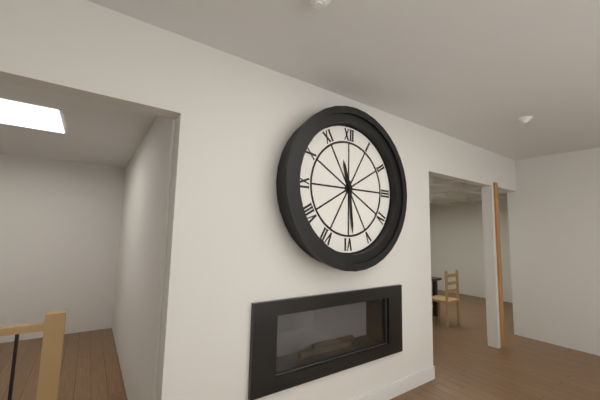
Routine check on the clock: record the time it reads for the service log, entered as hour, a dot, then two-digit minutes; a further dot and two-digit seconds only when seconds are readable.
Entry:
11.29
